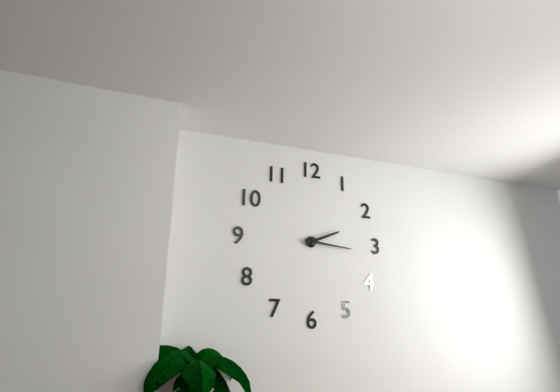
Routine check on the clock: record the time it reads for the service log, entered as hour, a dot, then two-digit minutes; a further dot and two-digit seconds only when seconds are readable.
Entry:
2.16
